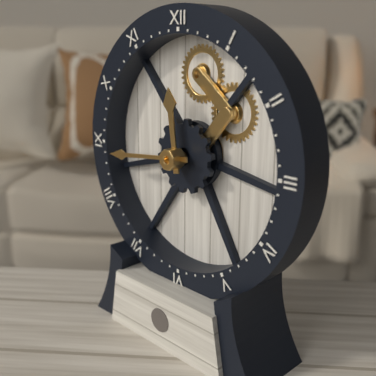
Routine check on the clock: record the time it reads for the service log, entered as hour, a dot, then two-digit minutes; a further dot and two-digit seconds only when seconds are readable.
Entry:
11.44
